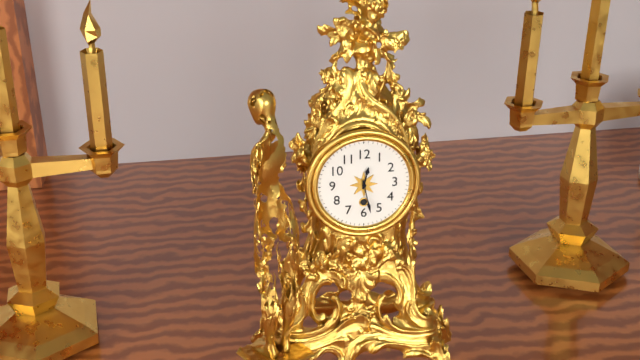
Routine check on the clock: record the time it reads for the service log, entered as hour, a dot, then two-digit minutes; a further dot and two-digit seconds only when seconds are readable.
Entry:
12.28
